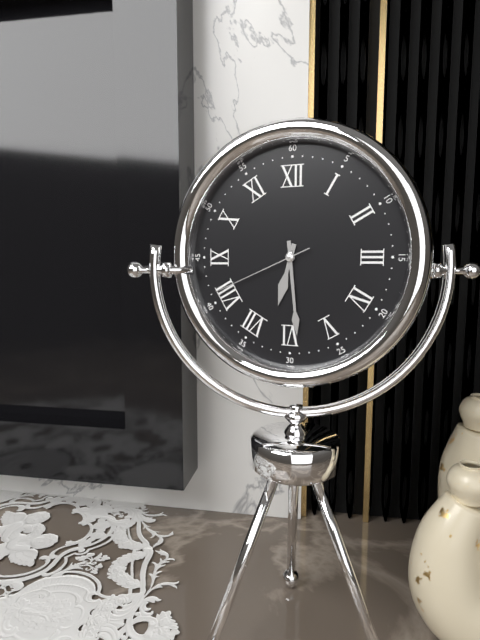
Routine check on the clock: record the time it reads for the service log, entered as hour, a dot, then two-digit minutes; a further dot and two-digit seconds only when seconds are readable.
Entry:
6.29.41
